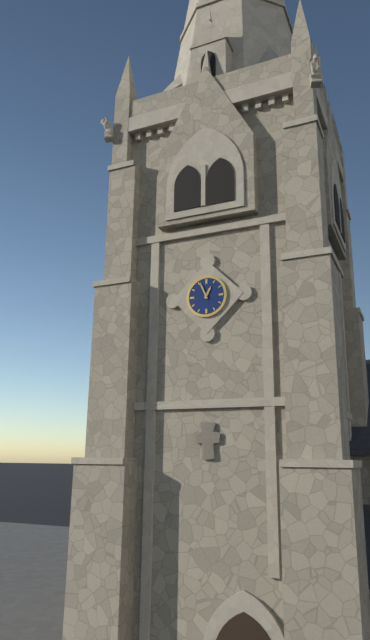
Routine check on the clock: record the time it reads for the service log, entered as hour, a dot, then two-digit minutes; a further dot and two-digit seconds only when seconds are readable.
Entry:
12.56
